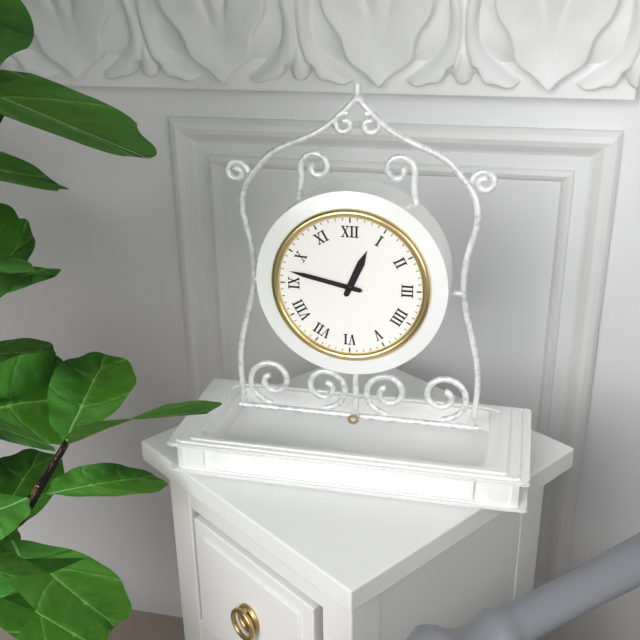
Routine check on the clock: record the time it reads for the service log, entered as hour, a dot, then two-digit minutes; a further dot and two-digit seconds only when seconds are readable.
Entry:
12.47
